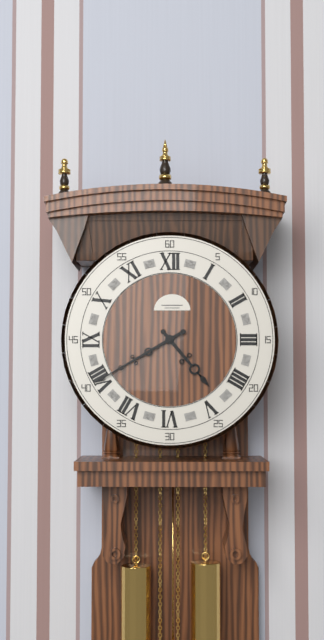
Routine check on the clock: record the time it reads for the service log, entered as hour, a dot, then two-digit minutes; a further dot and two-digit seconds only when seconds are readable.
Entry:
4.40
